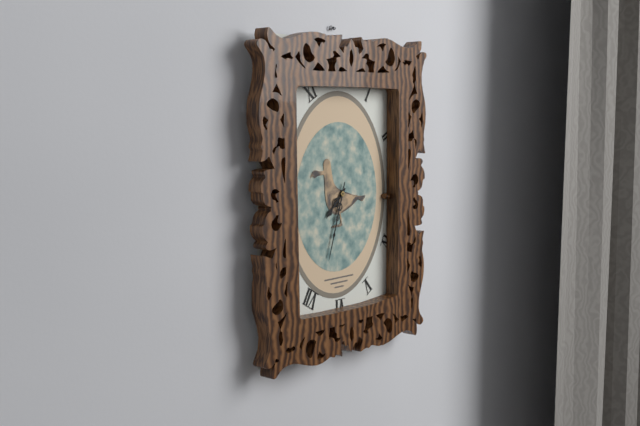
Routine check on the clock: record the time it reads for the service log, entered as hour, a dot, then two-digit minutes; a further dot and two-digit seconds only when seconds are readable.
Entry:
7.33
